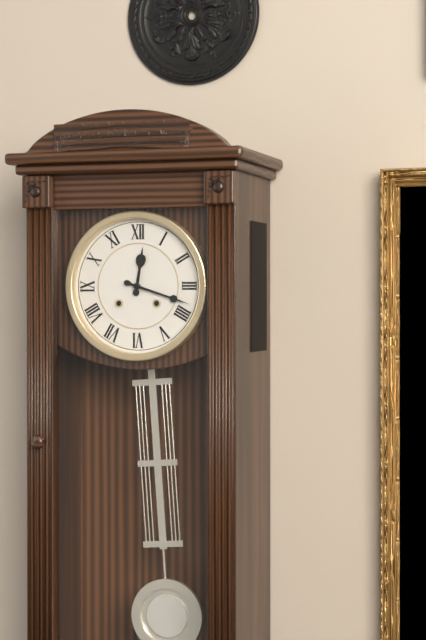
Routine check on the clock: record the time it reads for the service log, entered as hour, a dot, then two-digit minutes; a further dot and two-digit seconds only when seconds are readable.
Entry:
12.18
